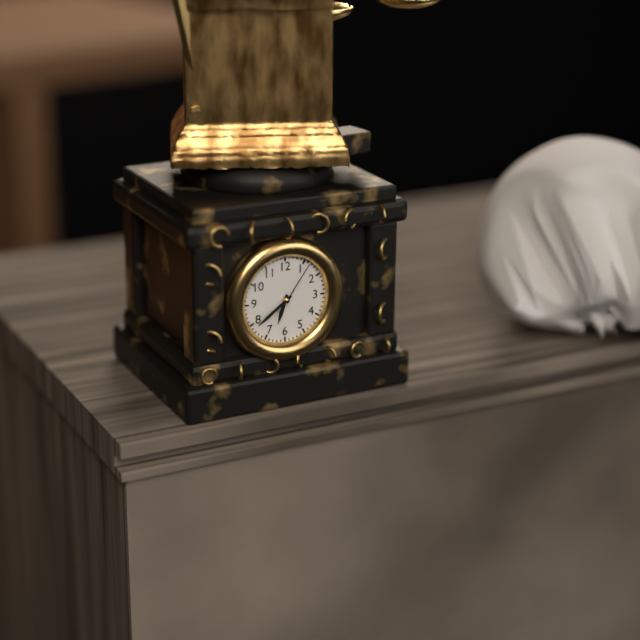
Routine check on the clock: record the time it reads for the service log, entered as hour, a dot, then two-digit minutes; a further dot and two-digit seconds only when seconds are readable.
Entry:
6.39.06
